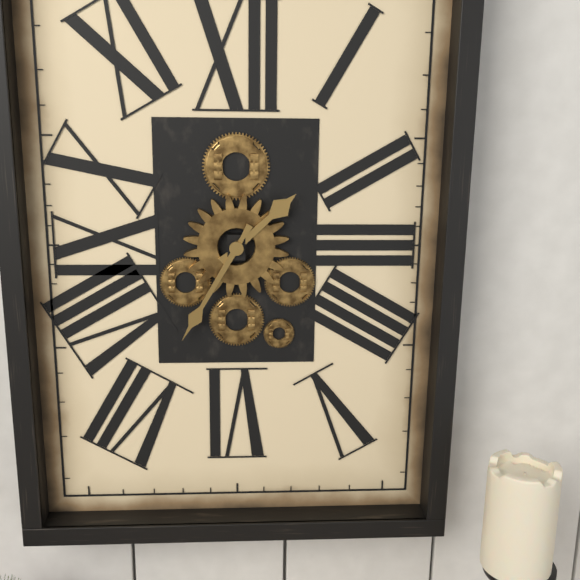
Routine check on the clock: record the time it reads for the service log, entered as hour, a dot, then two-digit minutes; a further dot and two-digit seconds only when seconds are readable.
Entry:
1.35
